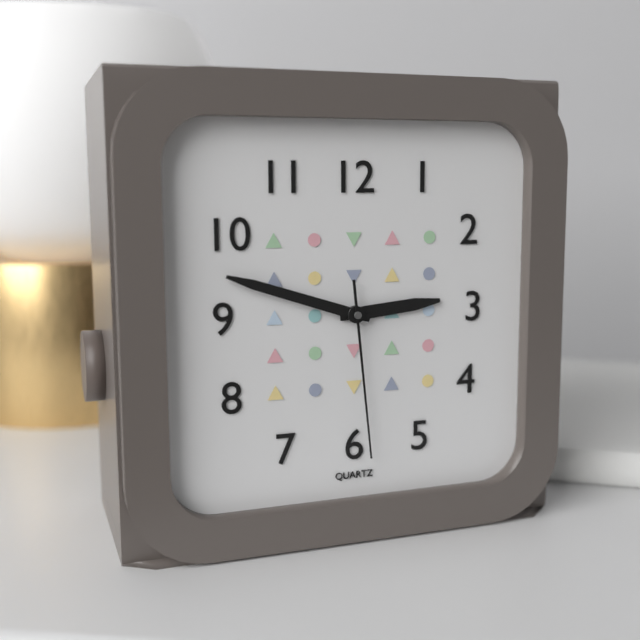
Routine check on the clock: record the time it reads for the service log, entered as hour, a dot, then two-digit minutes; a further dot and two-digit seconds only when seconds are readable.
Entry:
2.48.29
